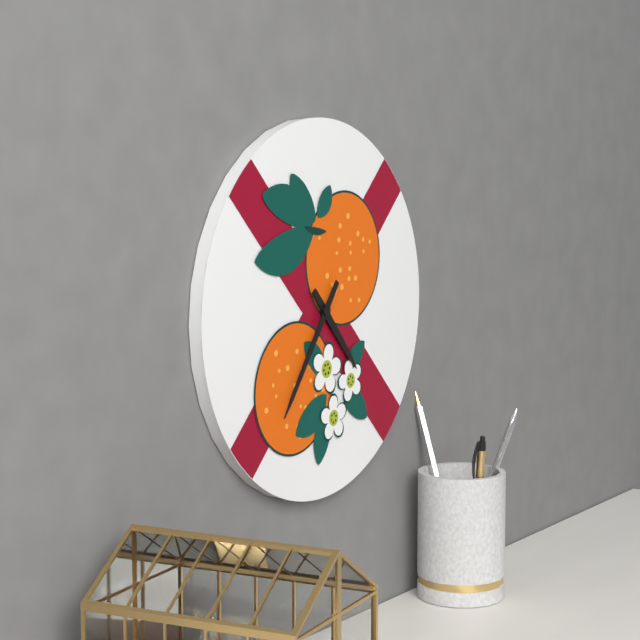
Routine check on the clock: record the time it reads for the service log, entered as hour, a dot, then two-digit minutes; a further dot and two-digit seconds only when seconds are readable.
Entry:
4.36
